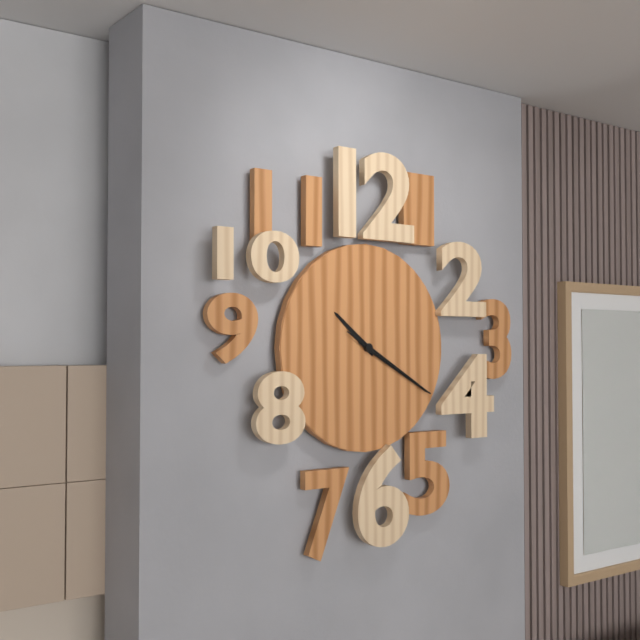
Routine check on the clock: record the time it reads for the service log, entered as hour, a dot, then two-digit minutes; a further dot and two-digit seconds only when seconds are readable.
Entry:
10.20.20
